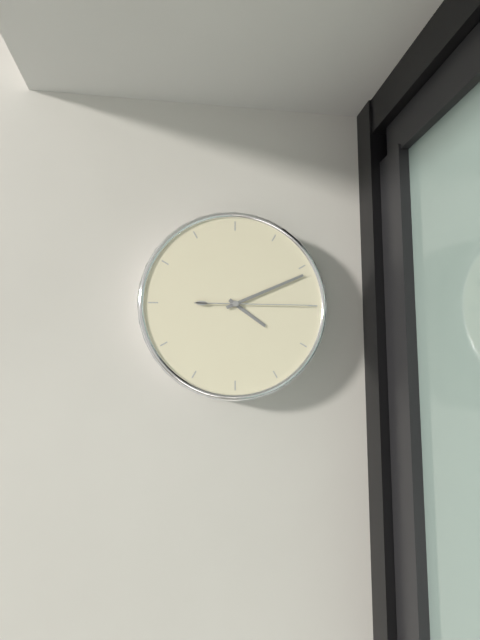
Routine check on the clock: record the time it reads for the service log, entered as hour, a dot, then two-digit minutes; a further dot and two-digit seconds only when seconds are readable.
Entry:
4.11.15
